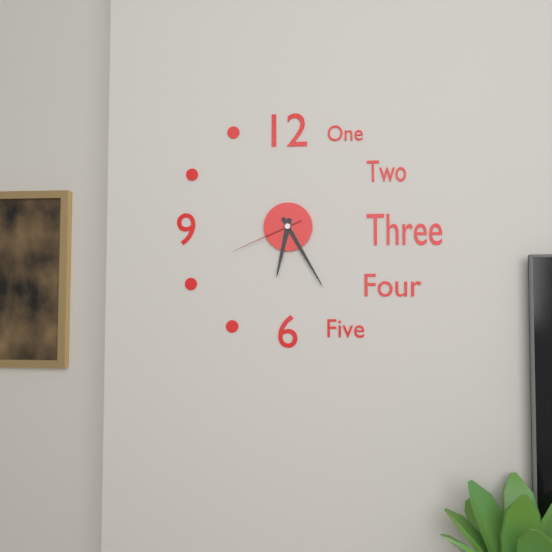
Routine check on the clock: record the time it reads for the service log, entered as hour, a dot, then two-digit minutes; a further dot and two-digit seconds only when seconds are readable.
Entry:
6.25.41
